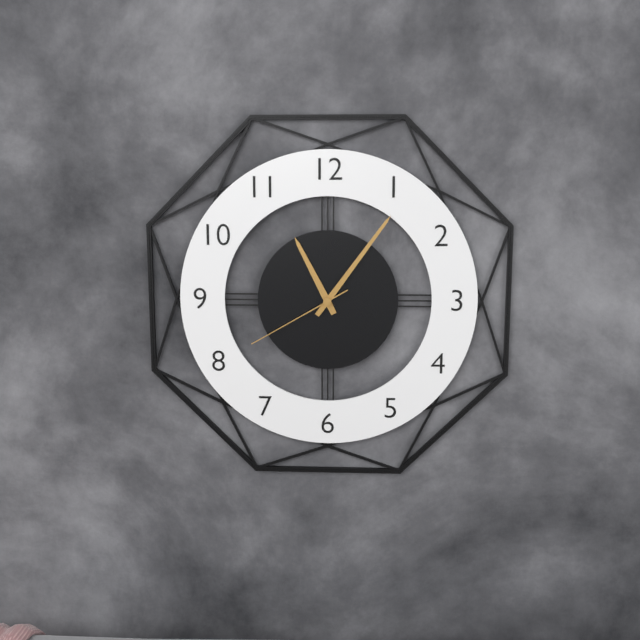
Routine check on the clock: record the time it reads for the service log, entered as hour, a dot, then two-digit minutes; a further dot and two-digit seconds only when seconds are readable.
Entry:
11.06.40
